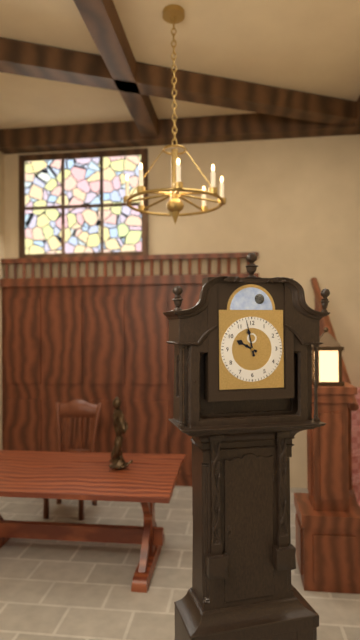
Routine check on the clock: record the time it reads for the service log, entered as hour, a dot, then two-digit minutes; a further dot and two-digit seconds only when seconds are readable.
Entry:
9.58
